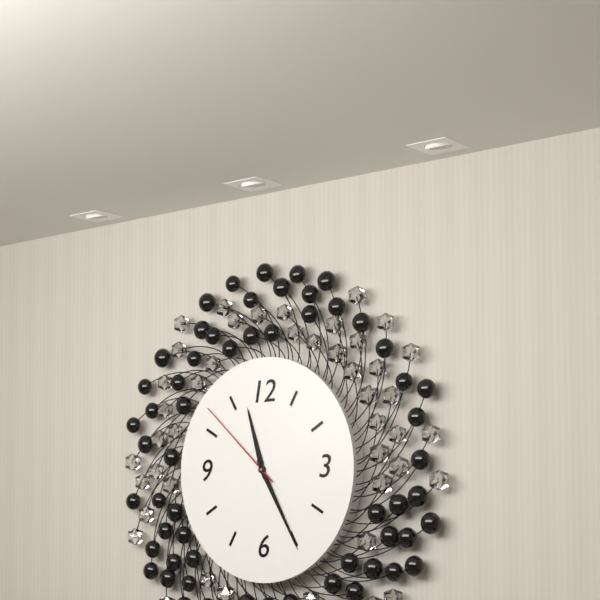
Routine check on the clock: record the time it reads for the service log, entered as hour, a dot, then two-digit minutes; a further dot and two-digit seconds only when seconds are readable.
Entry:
11.25.52
